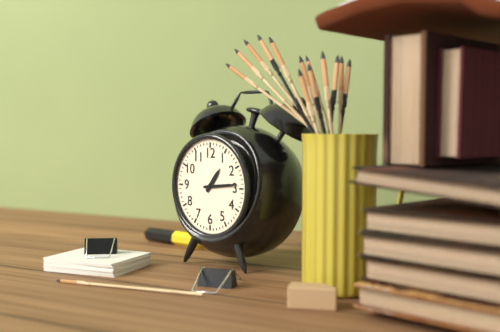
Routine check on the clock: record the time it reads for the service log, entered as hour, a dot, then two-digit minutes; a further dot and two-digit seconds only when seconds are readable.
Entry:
1.14
